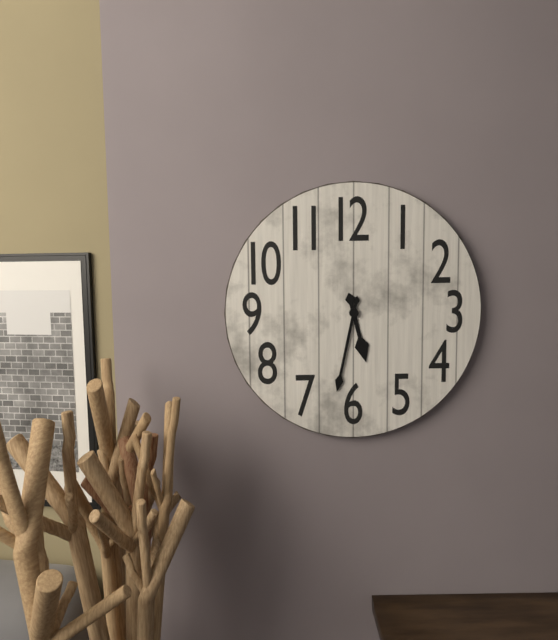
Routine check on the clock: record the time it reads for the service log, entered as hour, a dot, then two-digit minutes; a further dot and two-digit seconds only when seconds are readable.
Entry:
5.32
